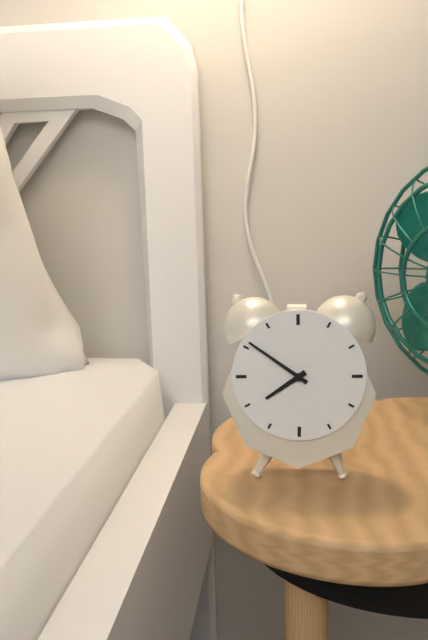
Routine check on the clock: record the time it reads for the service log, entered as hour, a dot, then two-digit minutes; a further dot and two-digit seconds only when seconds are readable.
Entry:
7.51
